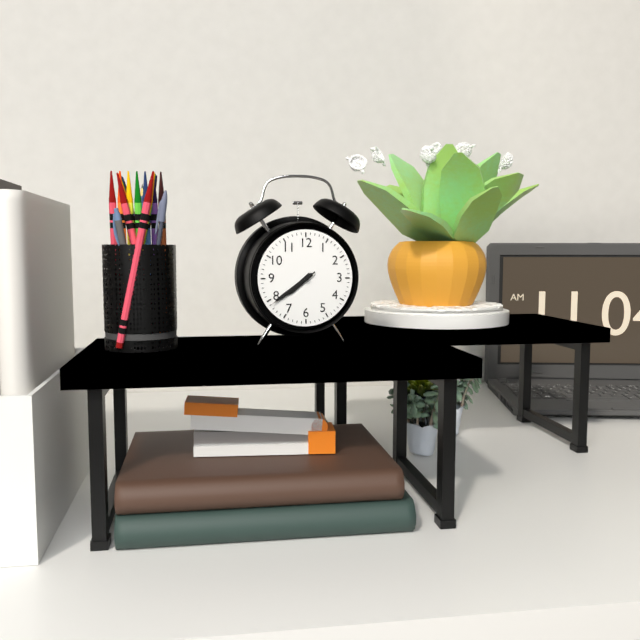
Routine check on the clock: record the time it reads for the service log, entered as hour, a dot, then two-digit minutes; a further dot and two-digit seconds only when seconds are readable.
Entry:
7.39.39
